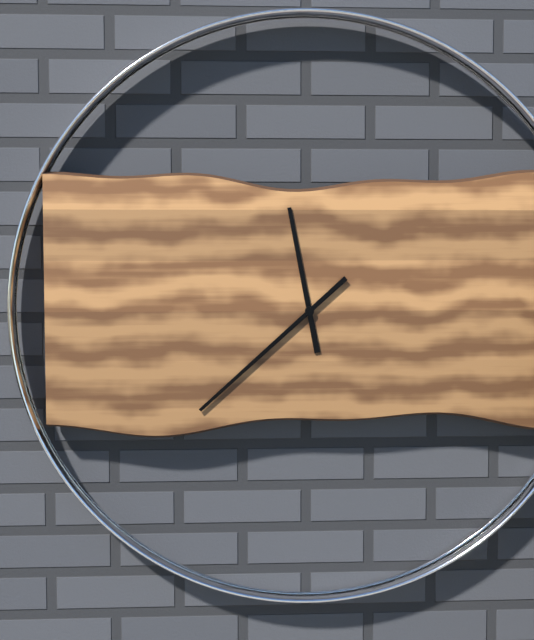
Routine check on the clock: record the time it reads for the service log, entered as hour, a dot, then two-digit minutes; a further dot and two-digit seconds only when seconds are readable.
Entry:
11.38
